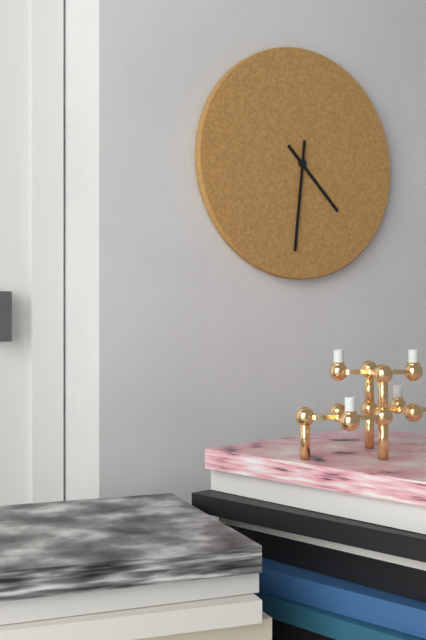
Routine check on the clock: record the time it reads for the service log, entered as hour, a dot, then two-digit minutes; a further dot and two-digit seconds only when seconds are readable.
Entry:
4.31
